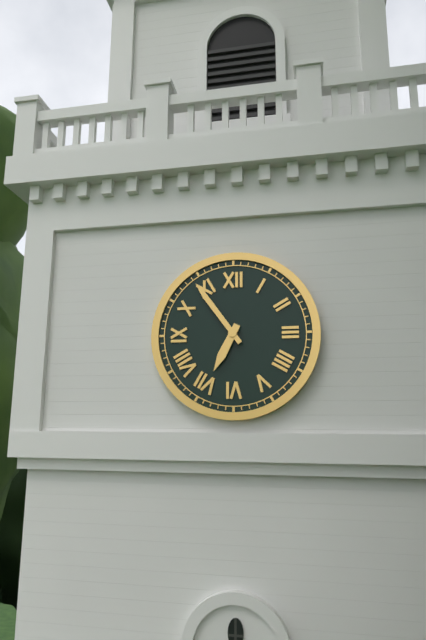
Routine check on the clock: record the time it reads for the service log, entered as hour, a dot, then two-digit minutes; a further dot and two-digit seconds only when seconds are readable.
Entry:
6.54
